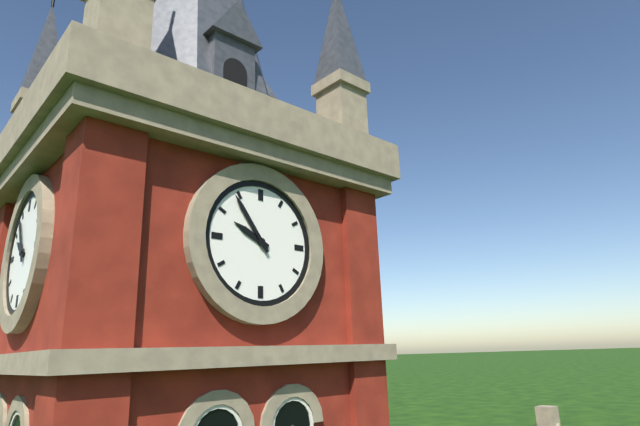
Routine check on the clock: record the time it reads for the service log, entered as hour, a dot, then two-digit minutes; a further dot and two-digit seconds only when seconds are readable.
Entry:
9.54
